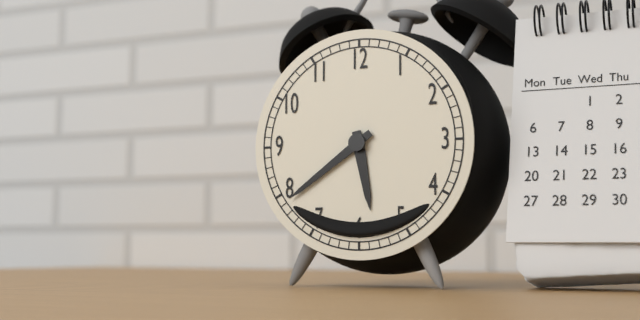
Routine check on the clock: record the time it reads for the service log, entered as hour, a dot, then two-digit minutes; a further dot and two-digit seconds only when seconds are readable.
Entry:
5.39
